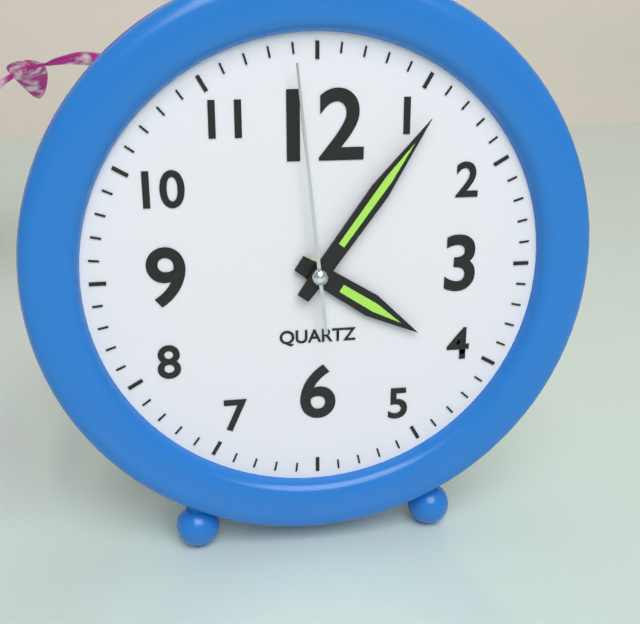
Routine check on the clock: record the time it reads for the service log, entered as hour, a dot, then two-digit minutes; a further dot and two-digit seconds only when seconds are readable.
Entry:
4.06.59
